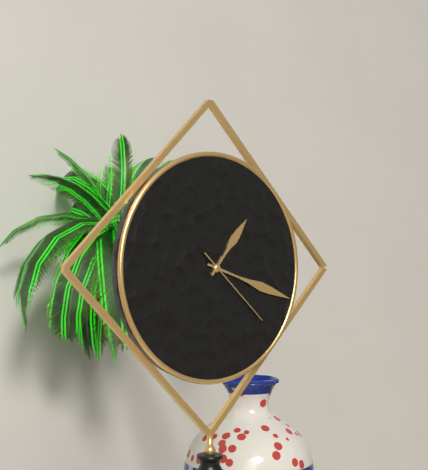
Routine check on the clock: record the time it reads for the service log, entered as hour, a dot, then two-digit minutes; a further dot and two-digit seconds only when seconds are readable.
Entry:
1.18.22
